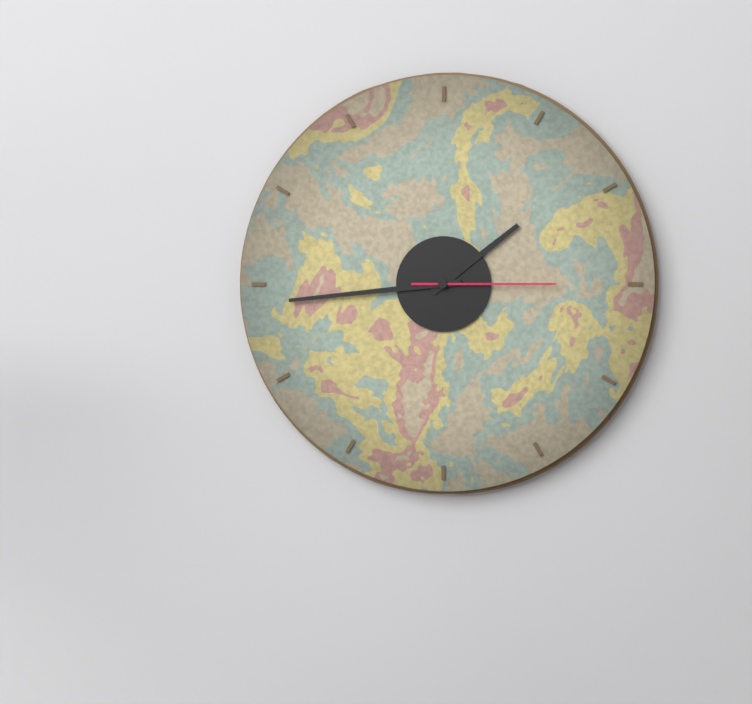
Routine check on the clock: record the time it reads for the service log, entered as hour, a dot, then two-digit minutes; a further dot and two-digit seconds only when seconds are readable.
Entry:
1.44.15
